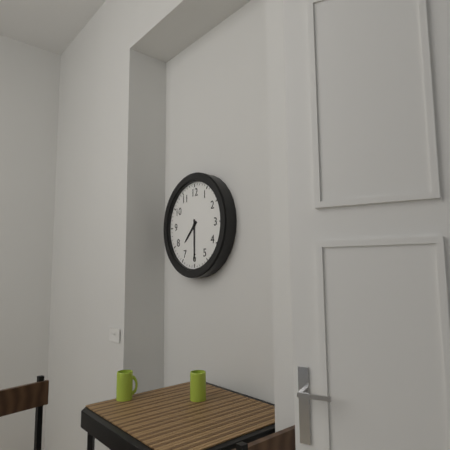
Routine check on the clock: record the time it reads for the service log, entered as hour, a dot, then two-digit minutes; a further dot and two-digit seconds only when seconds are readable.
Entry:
7.30
